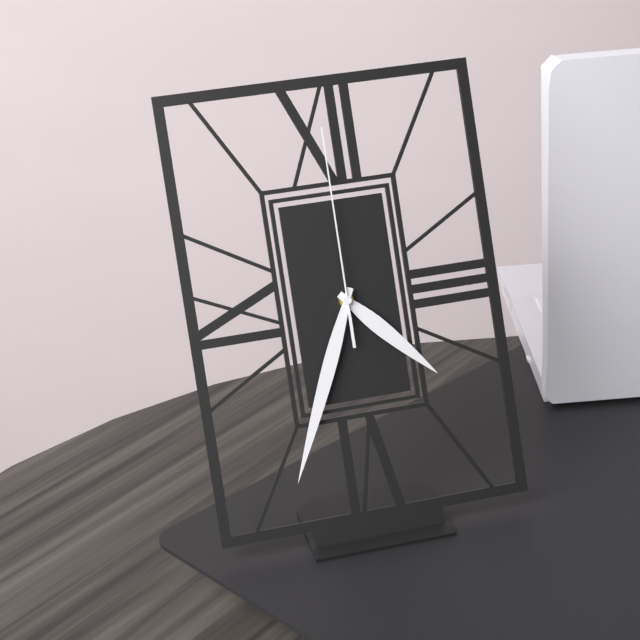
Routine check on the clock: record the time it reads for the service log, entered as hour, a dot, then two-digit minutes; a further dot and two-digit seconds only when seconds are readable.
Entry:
4.34.00
